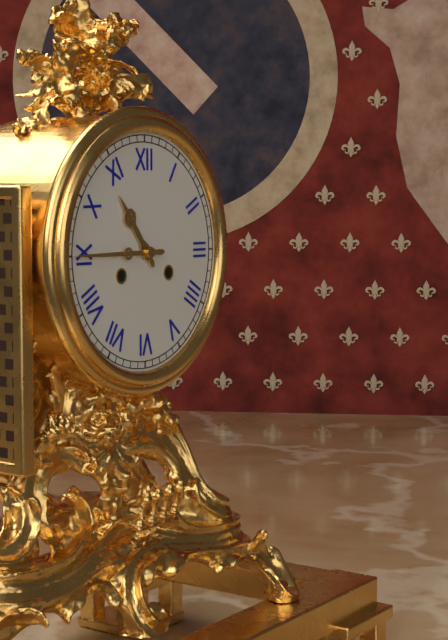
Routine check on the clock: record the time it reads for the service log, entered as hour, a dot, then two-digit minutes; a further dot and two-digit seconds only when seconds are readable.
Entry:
10.45
